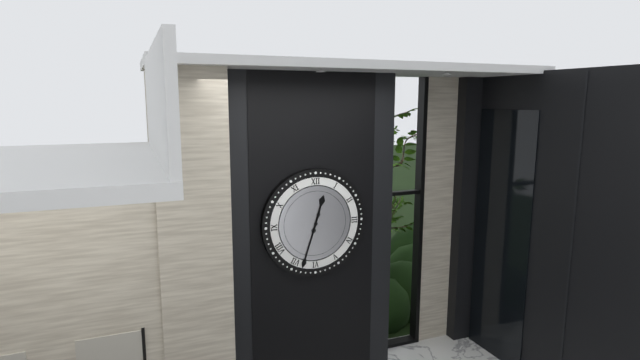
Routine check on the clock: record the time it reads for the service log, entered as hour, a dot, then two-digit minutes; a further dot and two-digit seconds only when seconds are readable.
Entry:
12.33
